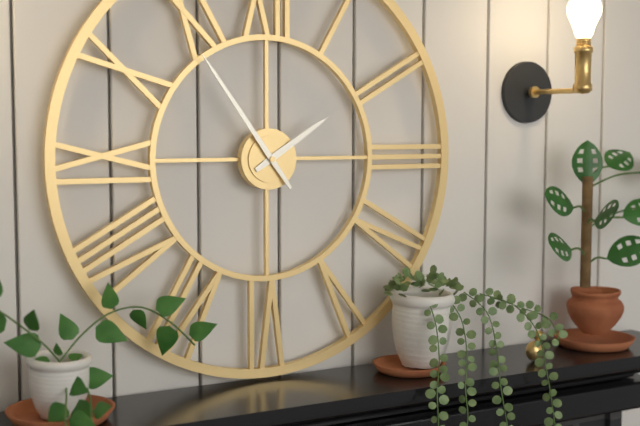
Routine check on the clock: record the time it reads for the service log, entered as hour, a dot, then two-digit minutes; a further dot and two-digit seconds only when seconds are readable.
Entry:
1.54
